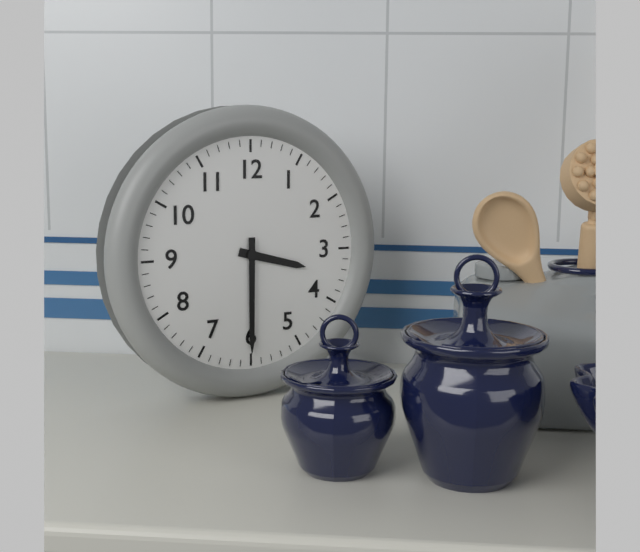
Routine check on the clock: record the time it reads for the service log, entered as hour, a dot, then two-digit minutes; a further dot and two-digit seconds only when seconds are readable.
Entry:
3.30
